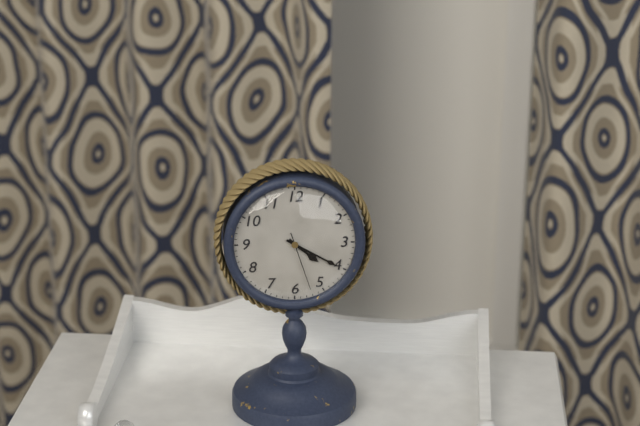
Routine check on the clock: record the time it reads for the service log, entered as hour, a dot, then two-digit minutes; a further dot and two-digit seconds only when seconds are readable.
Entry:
4.20.27
